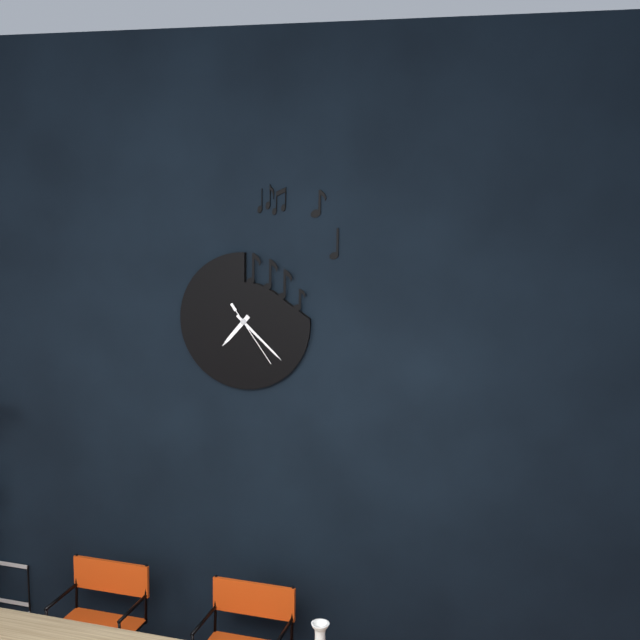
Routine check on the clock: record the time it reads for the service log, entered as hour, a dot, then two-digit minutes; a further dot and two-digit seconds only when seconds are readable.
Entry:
7.22.24
